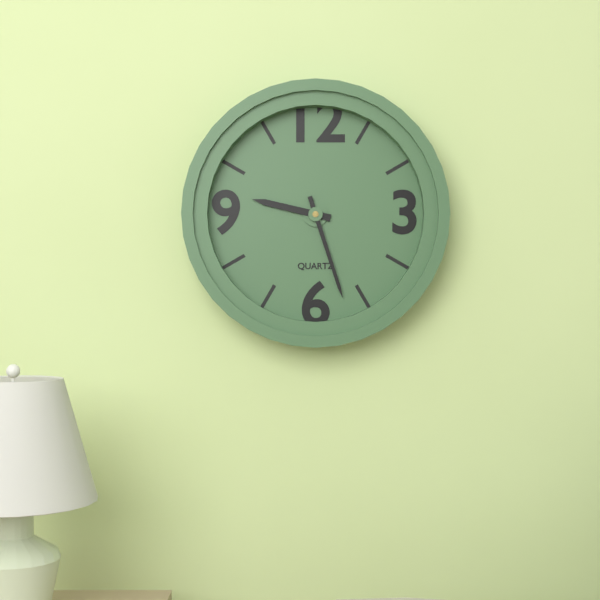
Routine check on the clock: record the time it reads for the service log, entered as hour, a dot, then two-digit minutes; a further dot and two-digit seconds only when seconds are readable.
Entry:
9.27
